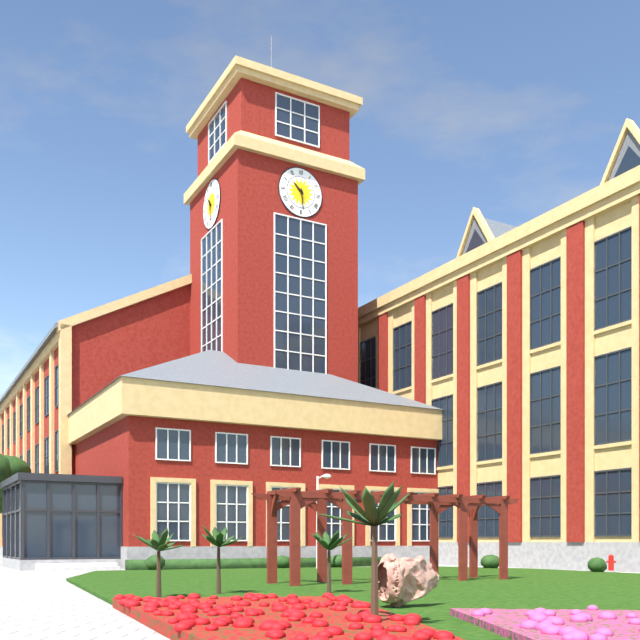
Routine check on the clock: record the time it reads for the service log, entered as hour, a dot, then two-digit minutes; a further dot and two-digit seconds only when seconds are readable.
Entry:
10.29
